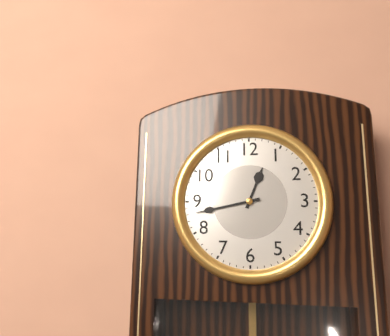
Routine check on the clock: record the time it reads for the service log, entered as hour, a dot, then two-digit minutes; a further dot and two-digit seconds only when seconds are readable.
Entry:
12.43
